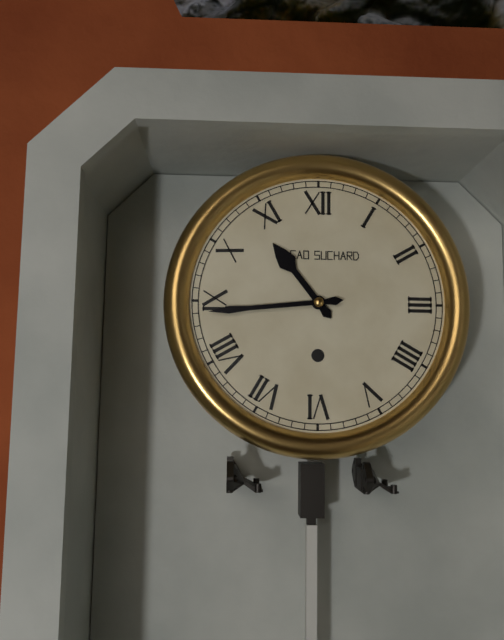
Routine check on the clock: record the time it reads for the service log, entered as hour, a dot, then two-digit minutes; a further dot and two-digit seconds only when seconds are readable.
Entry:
10.44
